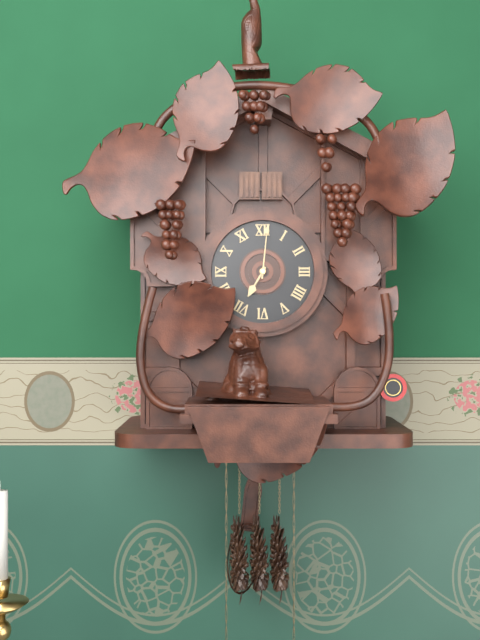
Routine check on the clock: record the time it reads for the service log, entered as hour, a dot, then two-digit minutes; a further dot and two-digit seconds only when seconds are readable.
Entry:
7.01
